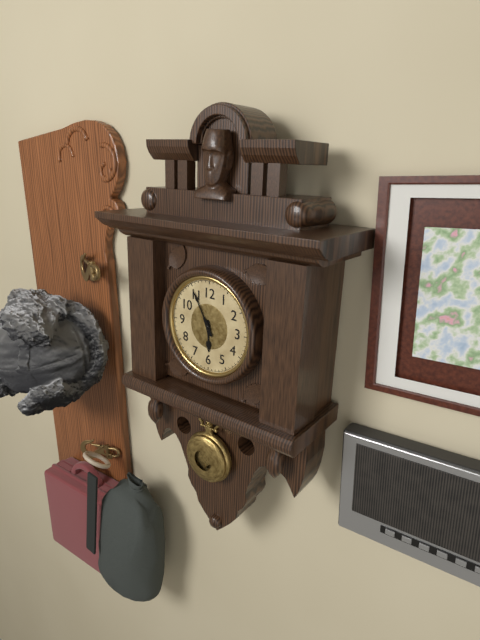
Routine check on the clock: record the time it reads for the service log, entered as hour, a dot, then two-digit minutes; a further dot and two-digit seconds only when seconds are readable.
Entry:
5.55
